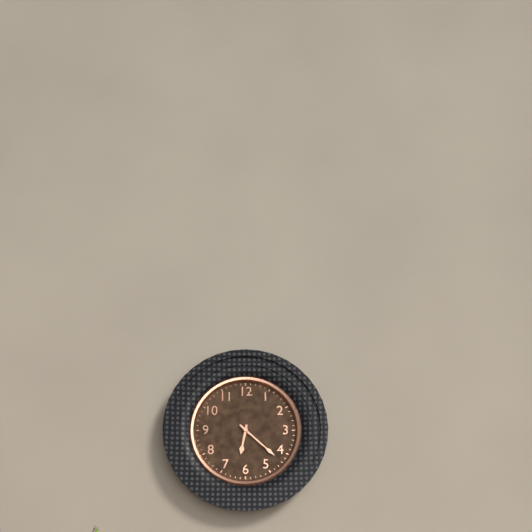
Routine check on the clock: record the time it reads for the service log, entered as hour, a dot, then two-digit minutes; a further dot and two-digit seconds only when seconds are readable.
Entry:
6.22
